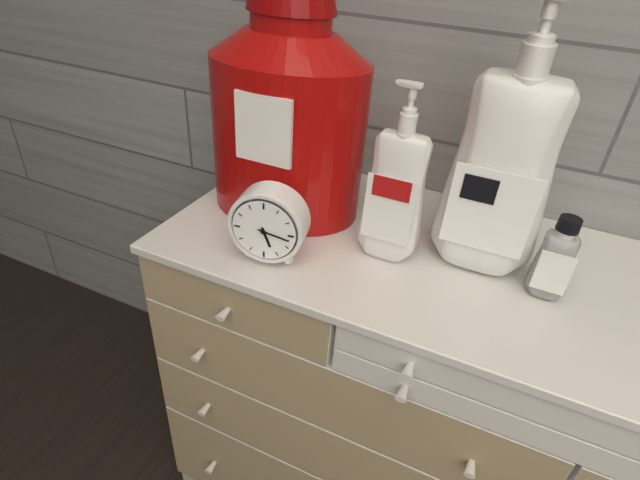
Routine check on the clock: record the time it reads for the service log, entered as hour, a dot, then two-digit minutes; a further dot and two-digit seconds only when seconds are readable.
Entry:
5.17
